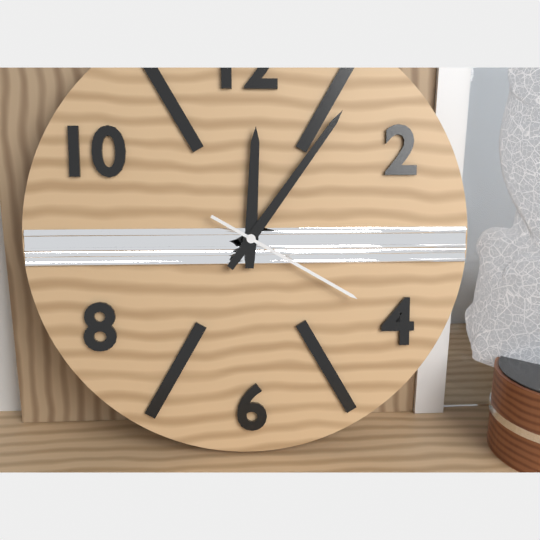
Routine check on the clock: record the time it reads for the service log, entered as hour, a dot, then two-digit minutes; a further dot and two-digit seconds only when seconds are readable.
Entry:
12.06.20
